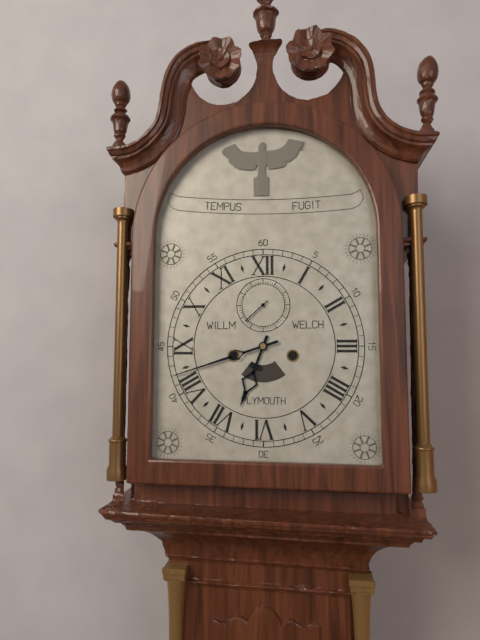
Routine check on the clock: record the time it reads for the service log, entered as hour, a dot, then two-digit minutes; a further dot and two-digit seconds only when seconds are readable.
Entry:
6.42
